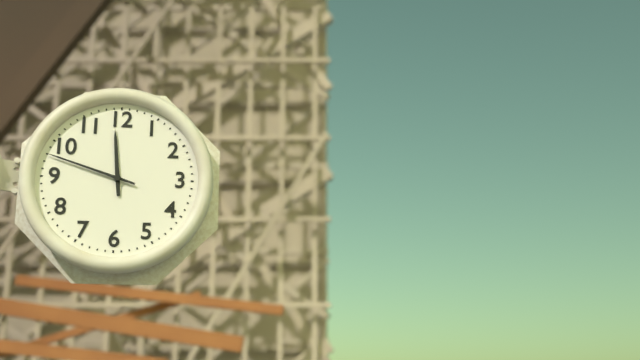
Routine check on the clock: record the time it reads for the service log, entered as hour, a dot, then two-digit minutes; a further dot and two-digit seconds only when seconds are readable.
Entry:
11.48
